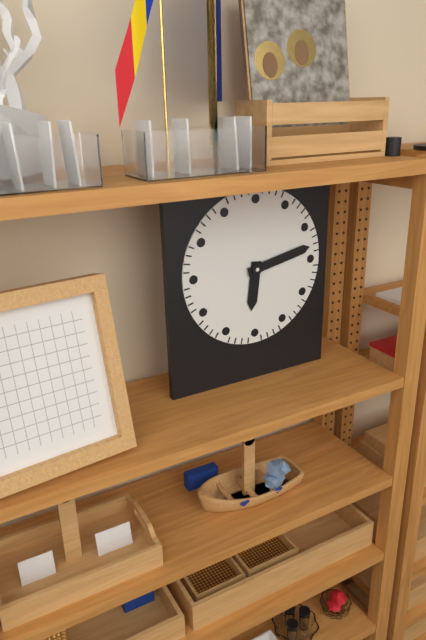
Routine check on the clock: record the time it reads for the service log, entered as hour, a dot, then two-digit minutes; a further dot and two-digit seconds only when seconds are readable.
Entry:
6.13
